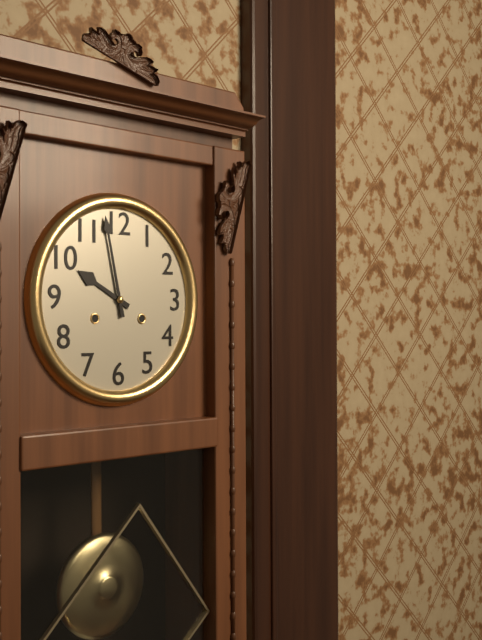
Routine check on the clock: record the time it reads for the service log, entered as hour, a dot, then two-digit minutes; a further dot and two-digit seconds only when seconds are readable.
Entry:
9.58
